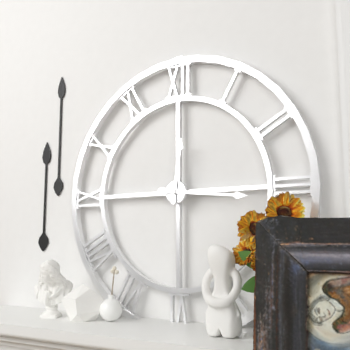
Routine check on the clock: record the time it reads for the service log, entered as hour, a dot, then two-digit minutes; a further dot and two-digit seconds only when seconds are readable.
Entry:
12.16
